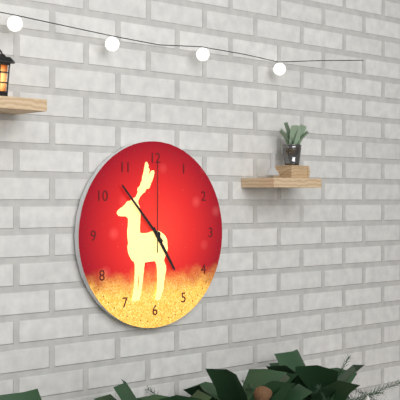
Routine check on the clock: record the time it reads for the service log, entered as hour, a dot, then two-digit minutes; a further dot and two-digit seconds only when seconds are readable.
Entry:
4.53.00
